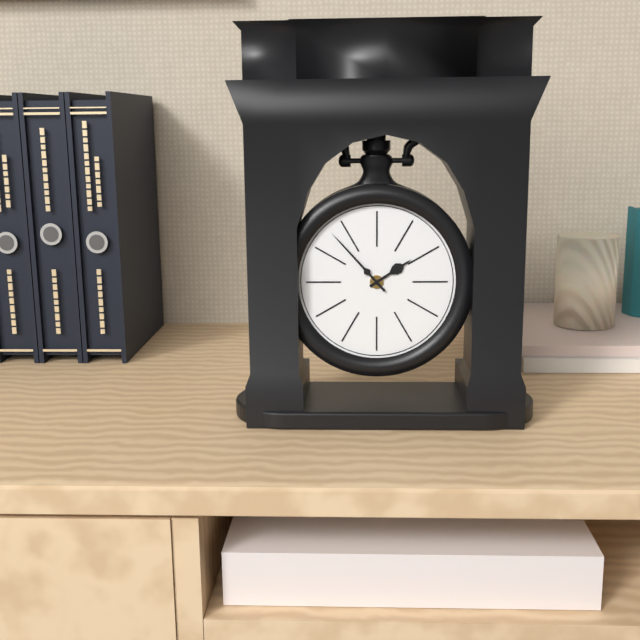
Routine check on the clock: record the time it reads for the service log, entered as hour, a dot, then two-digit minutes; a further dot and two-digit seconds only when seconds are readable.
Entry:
1.53
